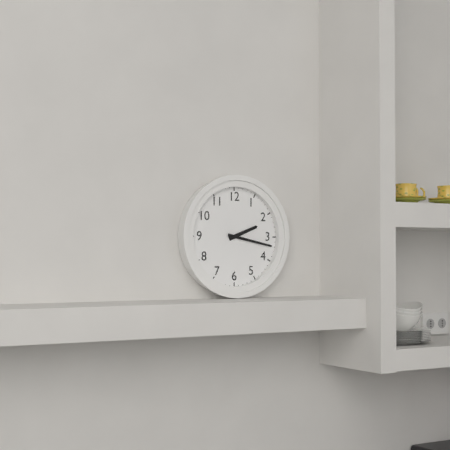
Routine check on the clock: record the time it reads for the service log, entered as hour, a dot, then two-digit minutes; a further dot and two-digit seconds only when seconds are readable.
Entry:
2.17
